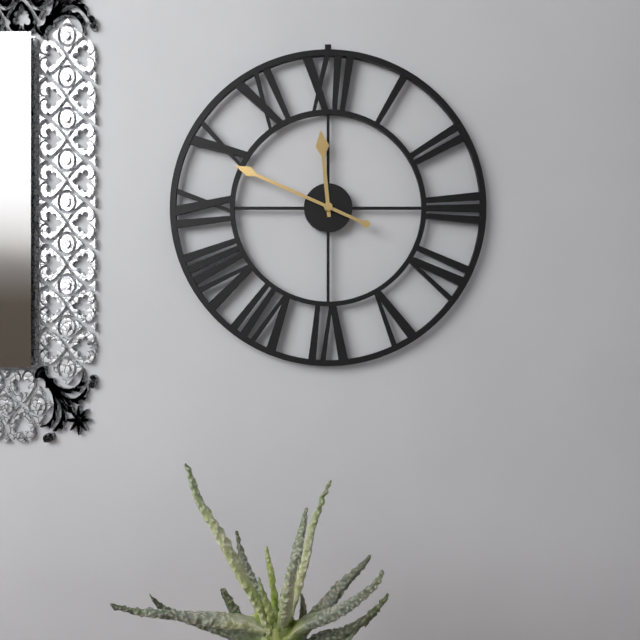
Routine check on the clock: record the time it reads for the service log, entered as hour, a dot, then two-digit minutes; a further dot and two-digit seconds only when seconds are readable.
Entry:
11.49
